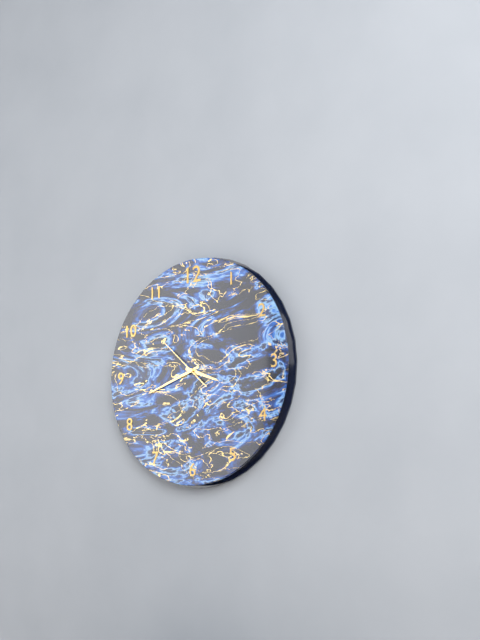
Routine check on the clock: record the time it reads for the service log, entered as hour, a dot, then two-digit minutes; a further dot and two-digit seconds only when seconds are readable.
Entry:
3.42.52
